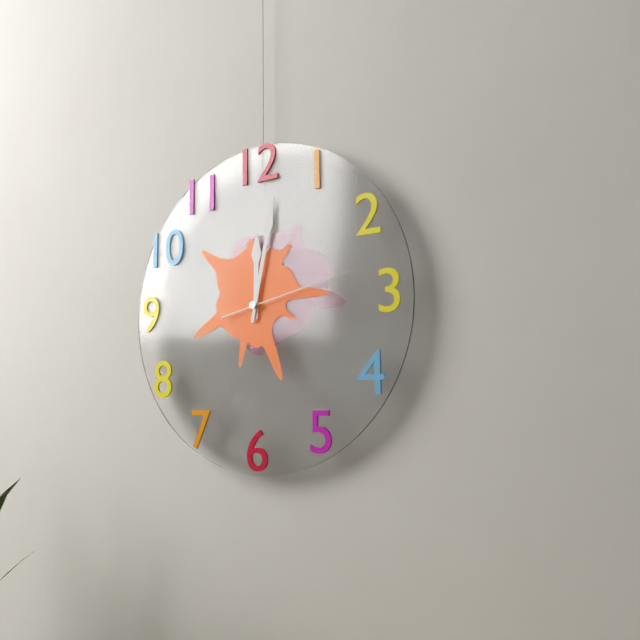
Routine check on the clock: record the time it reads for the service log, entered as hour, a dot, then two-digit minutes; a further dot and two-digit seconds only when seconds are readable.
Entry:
12.02.13
